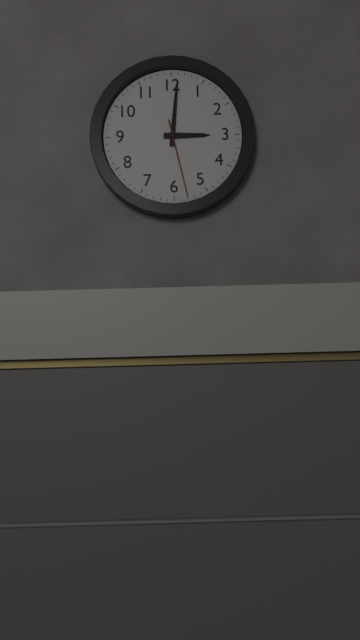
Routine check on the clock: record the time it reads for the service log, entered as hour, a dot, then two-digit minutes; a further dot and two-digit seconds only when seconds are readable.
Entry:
3.01.28
